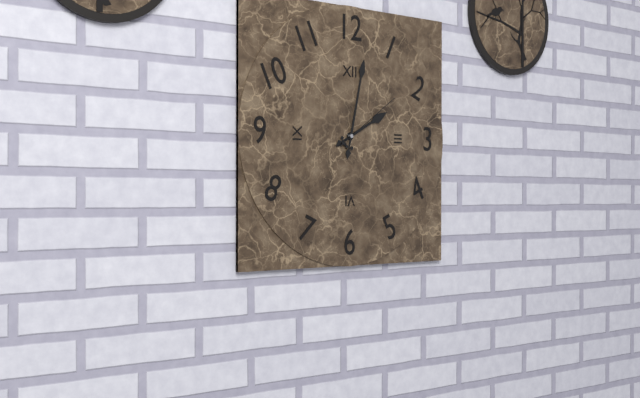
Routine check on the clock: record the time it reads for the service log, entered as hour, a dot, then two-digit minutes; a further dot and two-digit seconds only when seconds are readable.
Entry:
2.02.09
